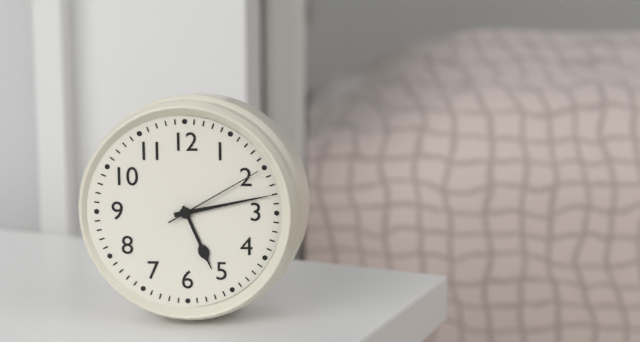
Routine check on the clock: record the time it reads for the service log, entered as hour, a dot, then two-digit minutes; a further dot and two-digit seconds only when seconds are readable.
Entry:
5.13.10
